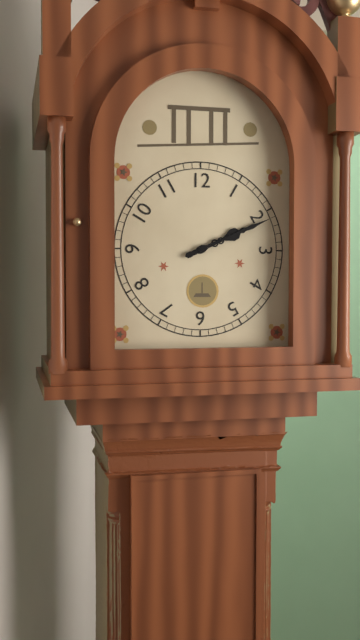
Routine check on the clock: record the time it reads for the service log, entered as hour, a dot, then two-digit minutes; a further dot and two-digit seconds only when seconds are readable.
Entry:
2.11
